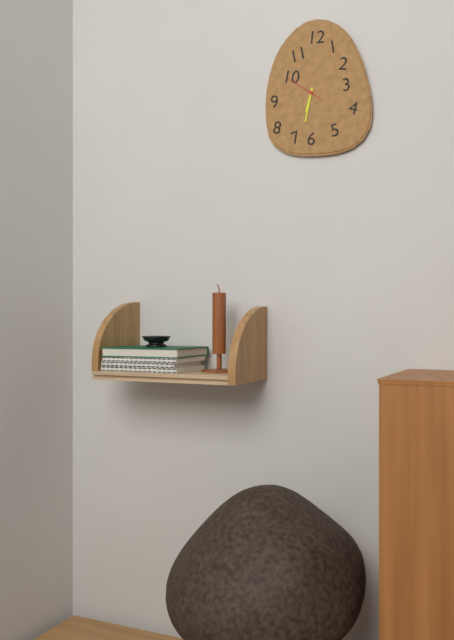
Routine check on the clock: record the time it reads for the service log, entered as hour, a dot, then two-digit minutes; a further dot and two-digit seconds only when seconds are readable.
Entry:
6.32
